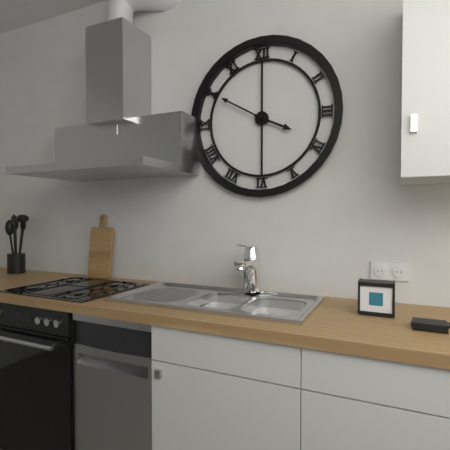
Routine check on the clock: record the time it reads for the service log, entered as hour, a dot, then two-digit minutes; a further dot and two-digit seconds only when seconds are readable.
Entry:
3.50
